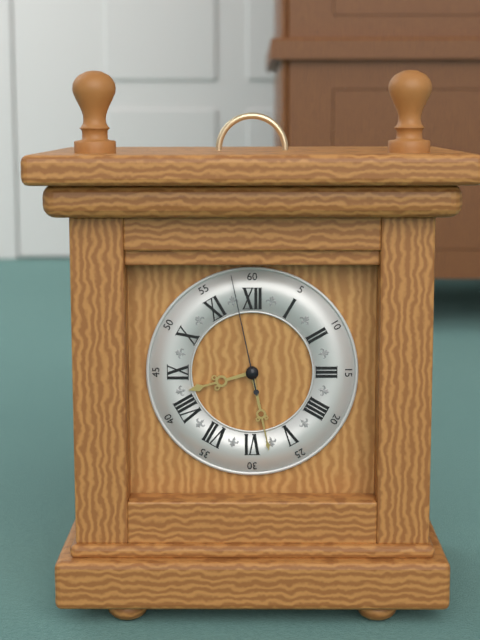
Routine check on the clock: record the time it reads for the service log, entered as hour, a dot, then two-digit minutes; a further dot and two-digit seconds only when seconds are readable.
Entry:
8.28.58
